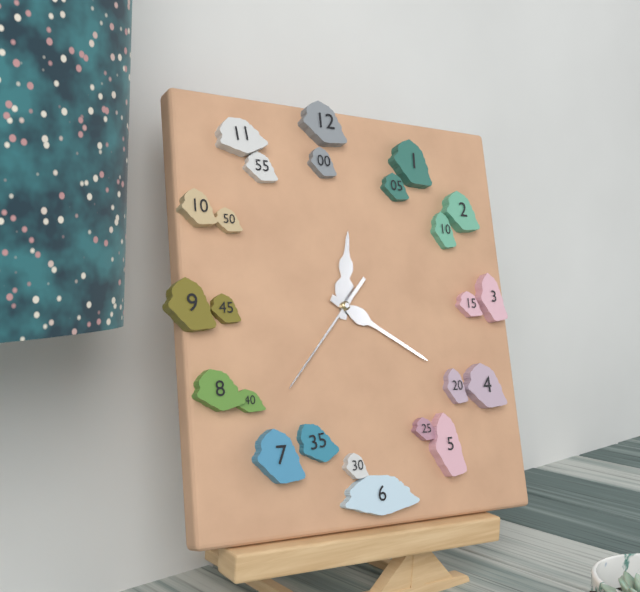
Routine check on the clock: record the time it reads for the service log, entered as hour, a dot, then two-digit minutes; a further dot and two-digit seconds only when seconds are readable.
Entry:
12.20.37
